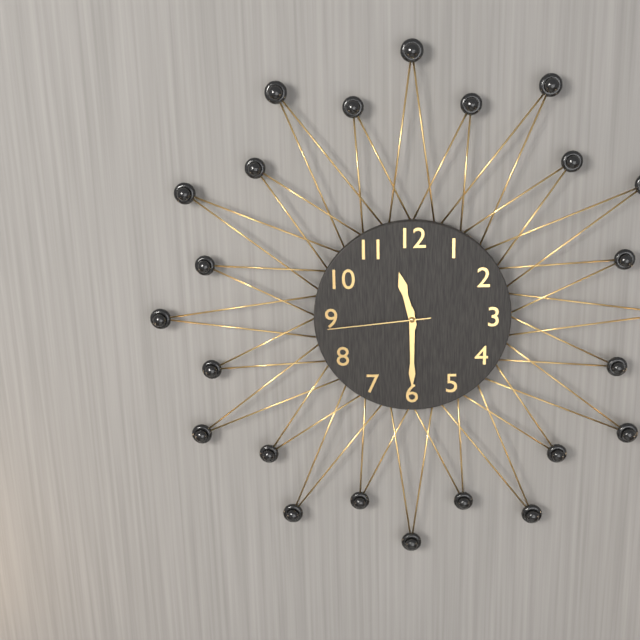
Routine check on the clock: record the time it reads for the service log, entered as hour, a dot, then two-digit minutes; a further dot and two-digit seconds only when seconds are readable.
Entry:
11.30.44
